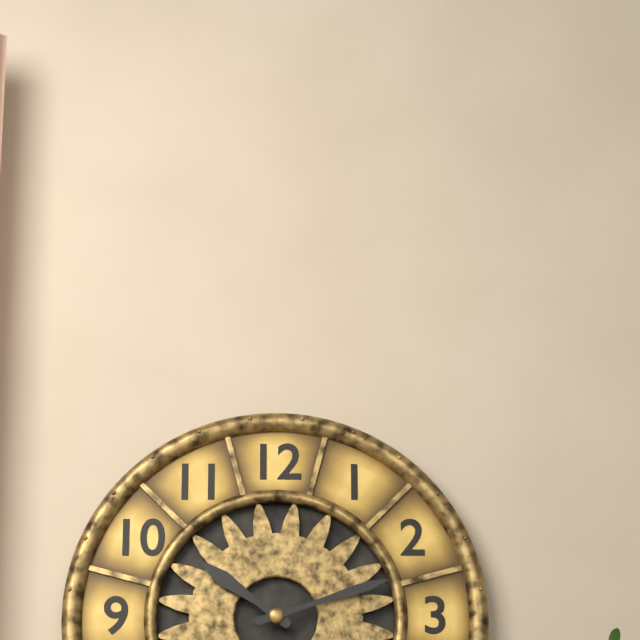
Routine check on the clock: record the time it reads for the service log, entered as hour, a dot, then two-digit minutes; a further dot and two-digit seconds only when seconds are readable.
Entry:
10.12
